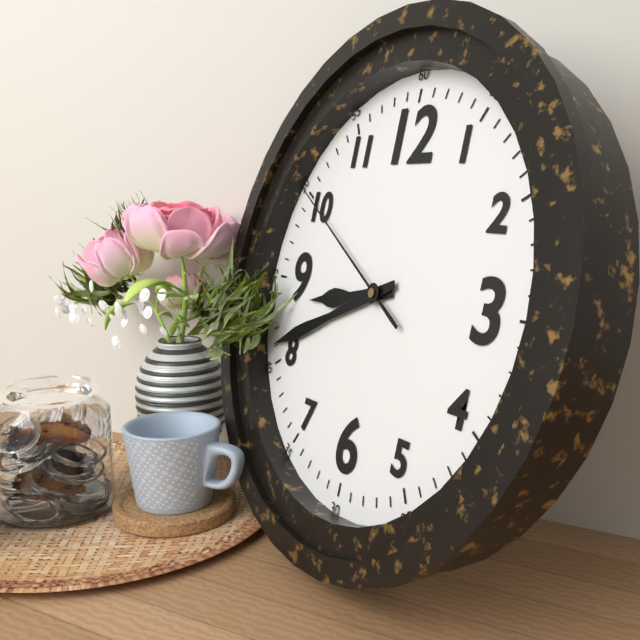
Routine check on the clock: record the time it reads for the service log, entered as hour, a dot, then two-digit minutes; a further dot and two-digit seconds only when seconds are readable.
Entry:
8.41.50
